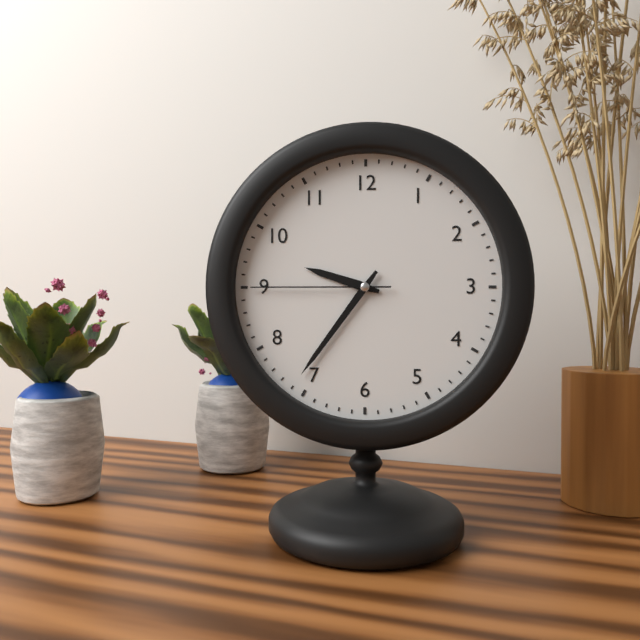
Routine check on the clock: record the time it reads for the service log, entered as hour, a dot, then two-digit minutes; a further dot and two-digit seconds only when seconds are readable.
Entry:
9.36.45
